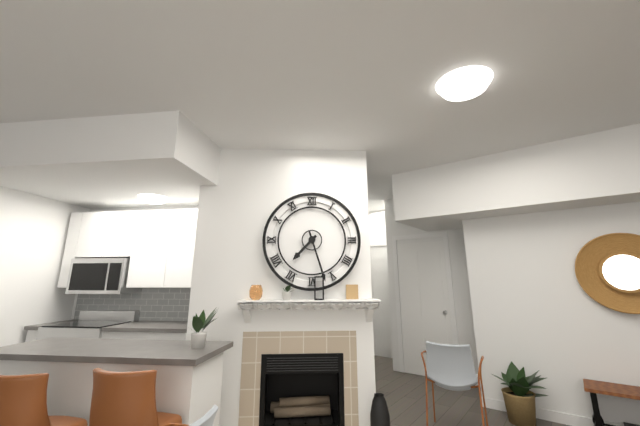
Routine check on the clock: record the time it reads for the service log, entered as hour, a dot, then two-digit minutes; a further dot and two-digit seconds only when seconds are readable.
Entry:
7.27
